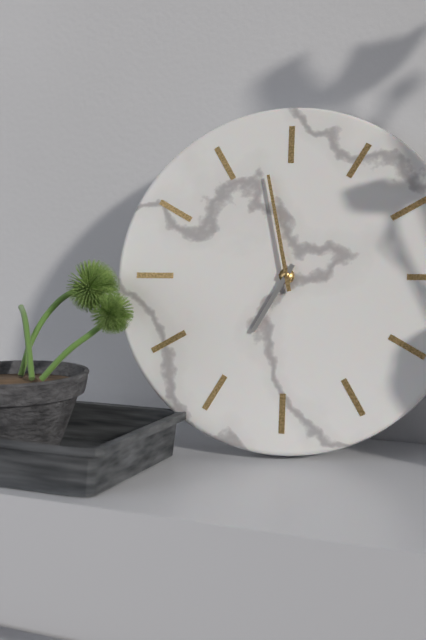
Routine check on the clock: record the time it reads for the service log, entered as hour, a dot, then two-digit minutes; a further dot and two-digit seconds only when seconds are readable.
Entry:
6.58
